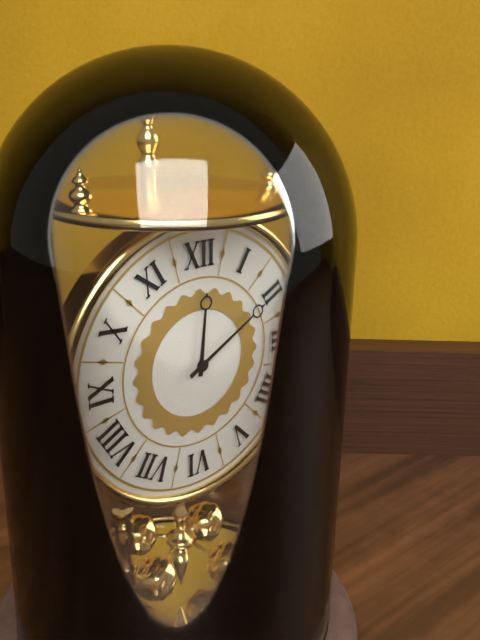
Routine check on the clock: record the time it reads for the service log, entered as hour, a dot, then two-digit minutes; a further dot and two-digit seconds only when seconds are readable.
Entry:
12.10
